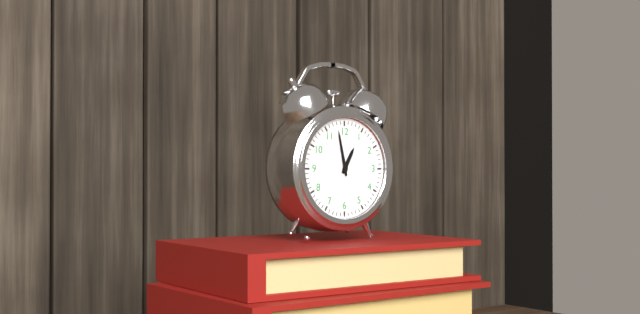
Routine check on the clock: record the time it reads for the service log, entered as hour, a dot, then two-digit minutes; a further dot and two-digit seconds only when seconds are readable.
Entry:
12.58
